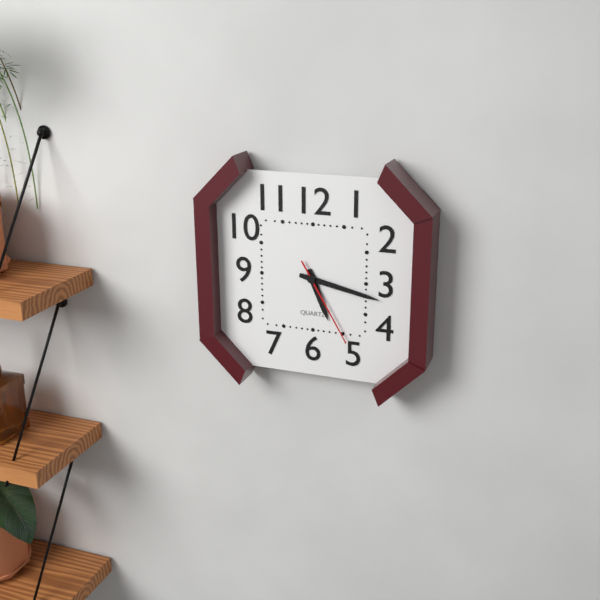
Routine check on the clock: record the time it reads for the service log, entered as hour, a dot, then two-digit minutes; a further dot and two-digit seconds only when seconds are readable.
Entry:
5.17.25
